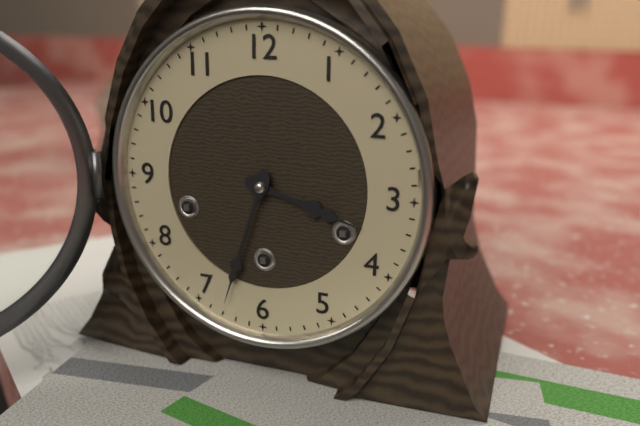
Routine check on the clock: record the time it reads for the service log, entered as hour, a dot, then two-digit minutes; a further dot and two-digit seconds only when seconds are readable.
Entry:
3.33
